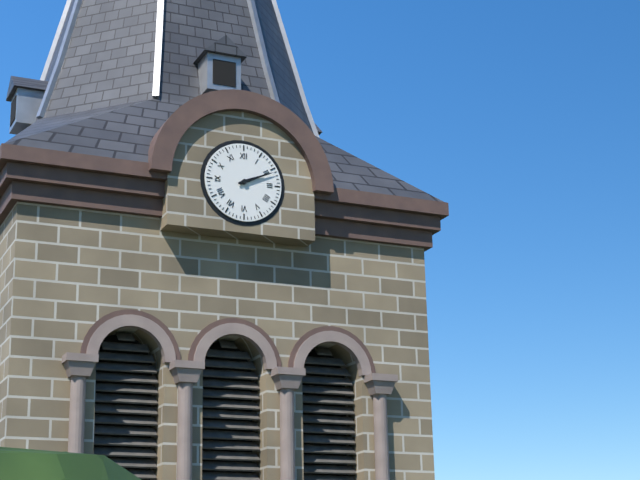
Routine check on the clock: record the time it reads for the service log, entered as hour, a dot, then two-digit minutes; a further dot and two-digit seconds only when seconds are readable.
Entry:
2.11
